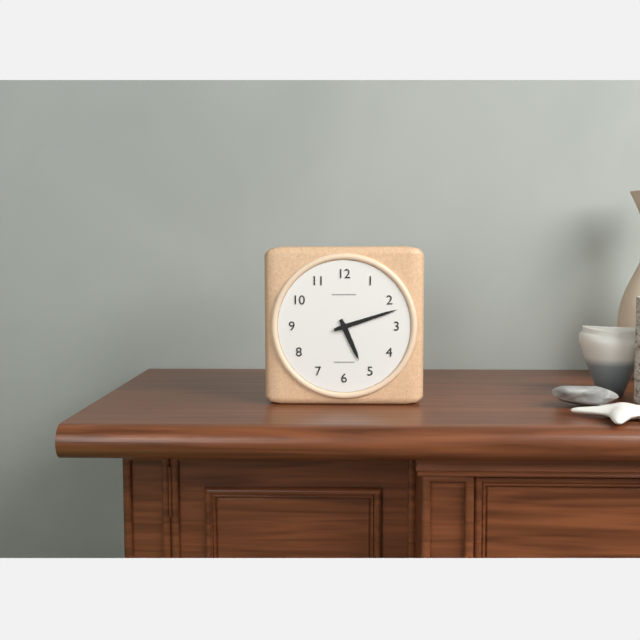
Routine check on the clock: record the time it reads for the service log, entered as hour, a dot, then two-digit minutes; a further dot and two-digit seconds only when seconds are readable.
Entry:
5.12
